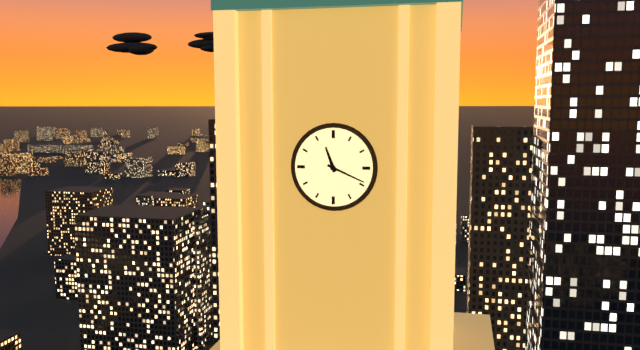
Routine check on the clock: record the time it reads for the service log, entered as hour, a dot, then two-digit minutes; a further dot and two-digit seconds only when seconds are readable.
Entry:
11.19
